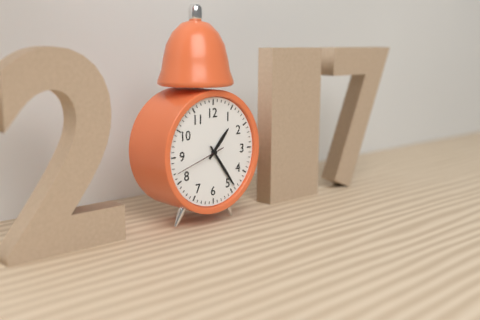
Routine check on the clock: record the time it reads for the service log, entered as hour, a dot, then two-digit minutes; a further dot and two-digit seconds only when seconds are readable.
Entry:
1.24.42
